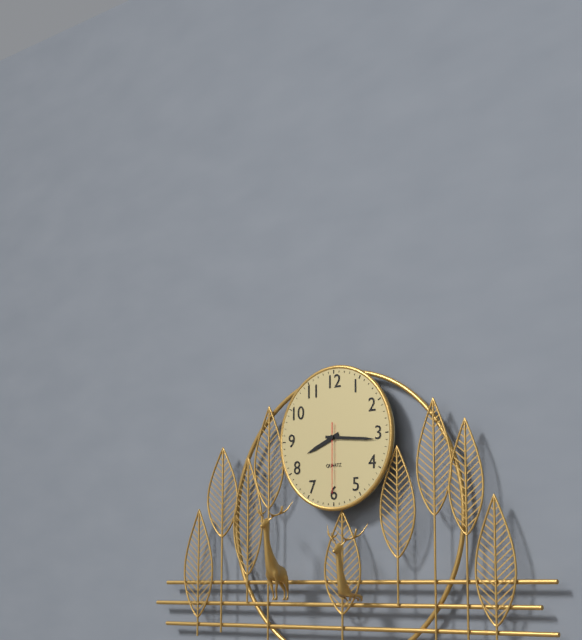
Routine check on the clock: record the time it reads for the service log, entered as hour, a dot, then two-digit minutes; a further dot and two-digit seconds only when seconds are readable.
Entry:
8.16.30
